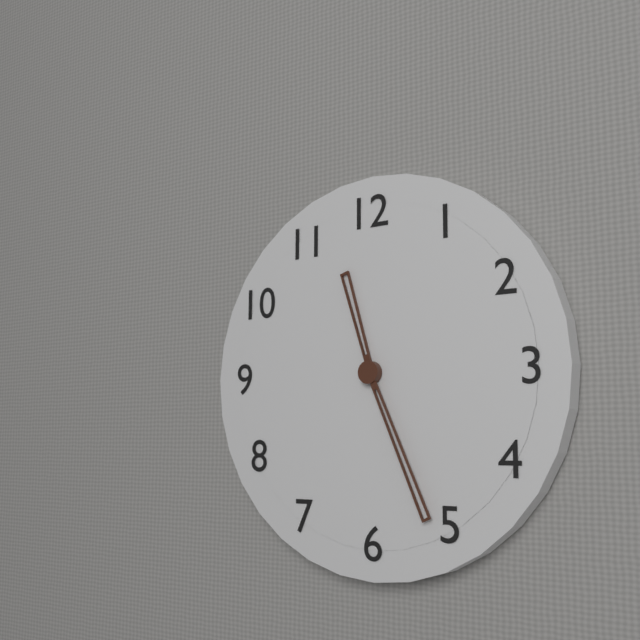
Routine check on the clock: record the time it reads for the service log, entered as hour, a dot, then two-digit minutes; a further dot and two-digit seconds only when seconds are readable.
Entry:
11.26
